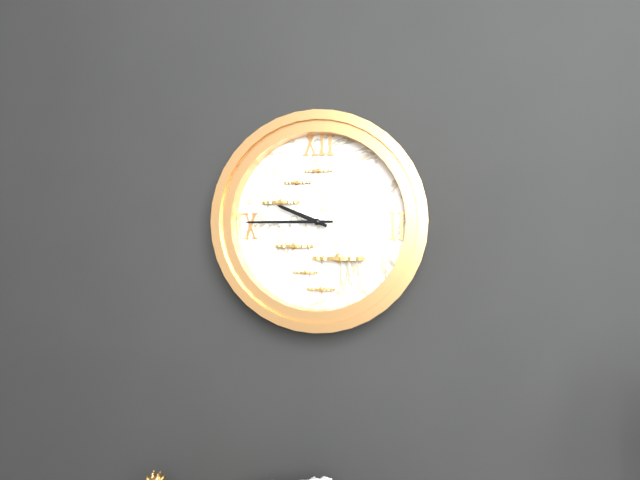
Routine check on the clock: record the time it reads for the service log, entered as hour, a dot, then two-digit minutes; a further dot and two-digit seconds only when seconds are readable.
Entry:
9.45
